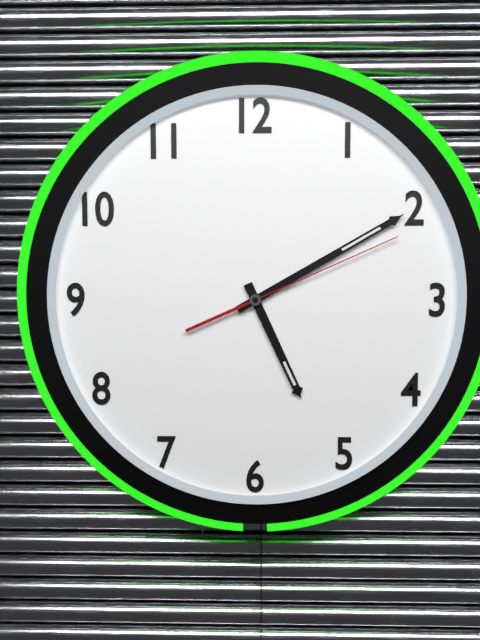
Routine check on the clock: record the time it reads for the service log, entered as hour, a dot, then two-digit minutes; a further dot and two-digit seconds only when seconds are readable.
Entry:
5.10.11
